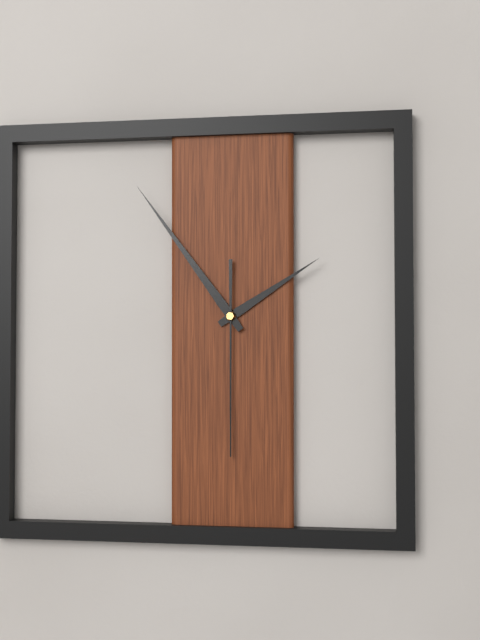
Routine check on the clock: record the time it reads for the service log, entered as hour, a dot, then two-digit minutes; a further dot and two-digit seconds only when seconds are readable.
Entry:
1.54.30
